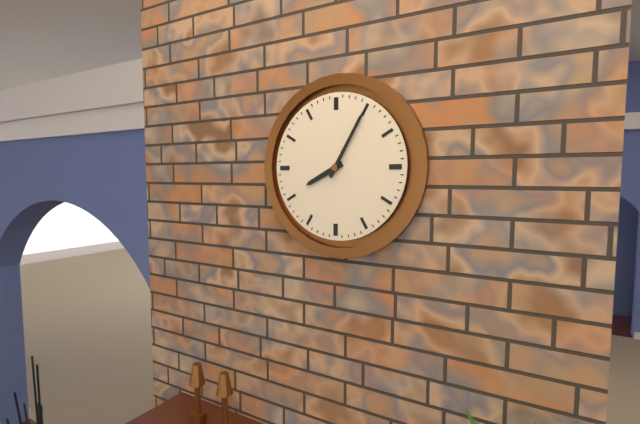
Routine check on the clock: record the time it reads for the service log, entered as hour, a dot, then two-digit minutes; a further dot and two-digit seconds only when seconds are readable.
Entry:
8.05
